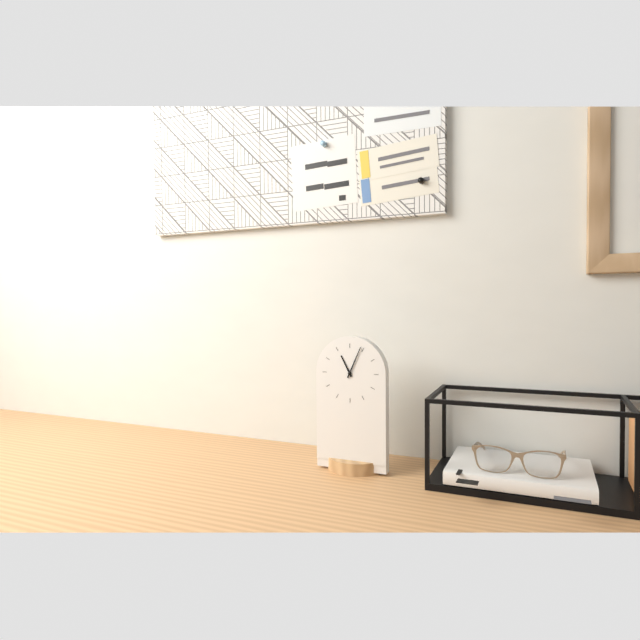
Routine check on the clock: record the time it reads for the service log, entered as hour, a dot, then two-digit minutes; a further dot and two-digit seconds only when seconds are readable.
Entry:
11.04
